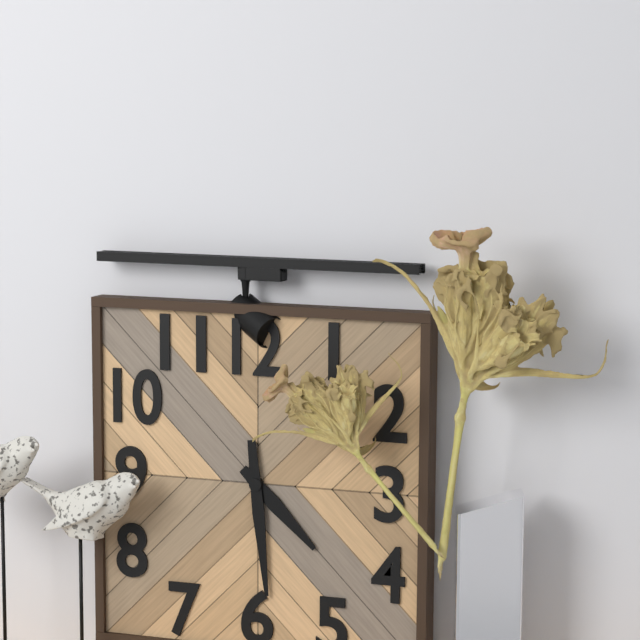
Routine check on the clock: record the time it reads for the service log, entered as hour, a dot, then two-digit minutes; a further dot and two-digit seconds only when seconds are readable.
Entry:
4.29
